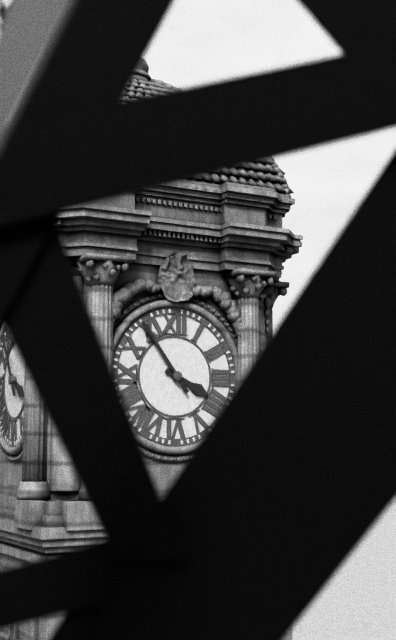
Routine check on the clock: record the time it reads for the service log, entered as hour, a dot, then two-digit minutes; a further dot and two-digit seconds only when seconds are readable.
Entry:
3.54
